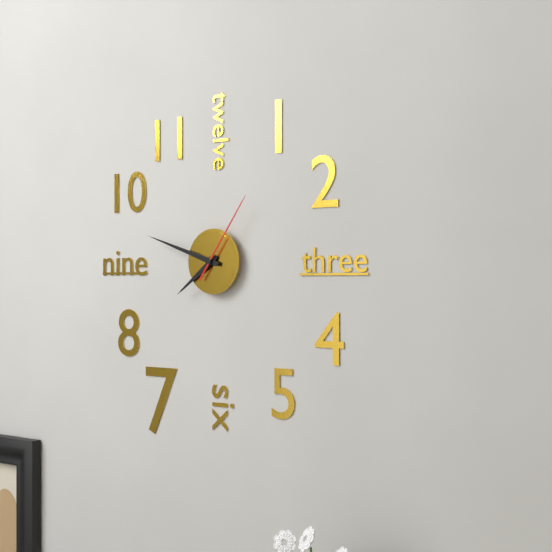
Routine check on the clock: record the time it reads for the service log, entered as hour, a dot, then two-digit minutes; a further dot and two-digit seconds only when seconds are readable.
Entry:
7.48.06
